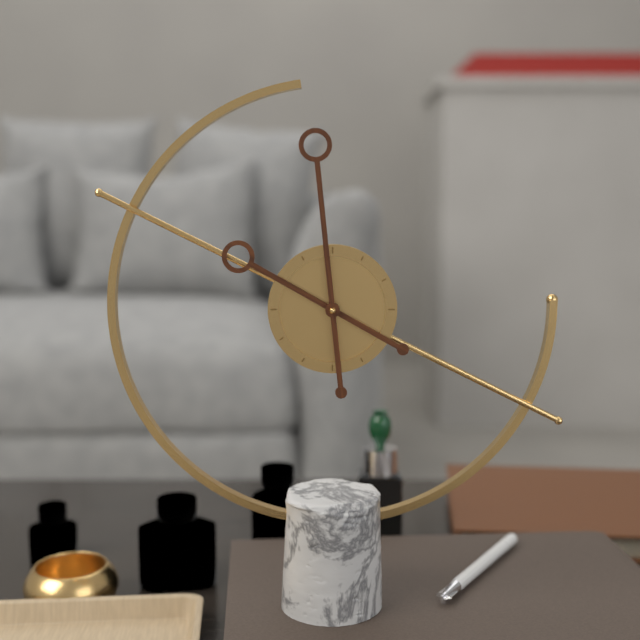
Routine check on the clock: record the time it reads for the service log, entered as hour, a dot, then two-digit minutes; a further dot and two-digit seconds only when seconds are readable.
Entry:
9.59
